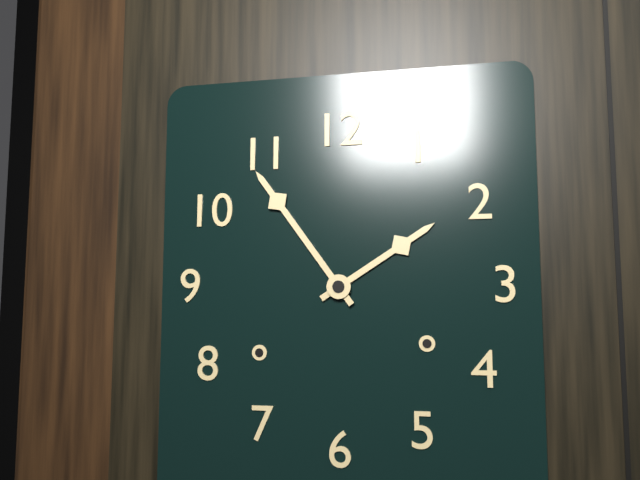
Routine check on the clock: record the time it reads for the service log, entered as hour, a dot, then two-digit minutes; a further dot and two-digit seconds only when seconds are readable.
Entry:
1.54
